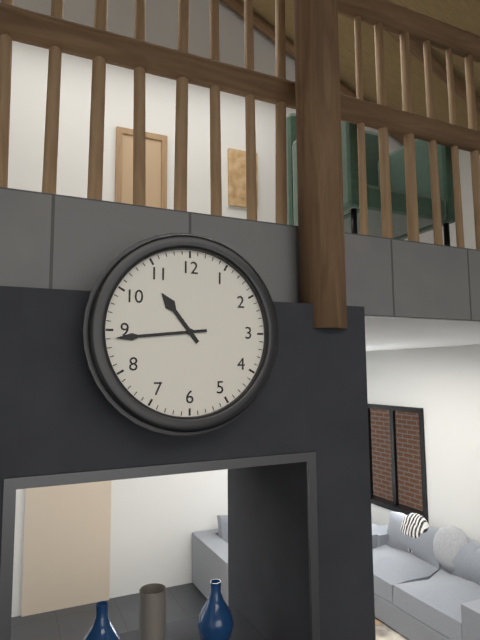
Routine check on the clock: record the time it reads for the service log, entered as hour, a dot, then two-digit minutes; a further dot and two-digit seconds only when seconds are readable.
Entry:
10.44
